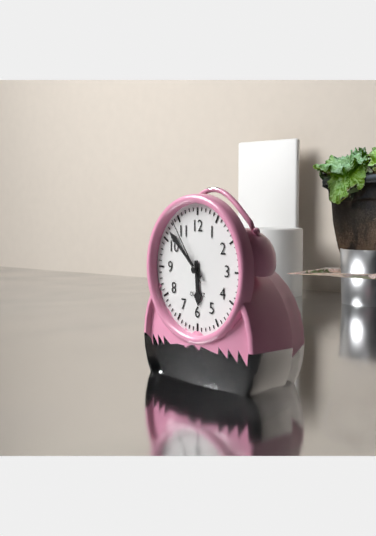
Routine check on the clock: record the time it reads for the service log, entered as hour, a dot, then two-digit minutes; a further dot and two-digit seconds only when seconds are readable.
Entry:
5.52.54
